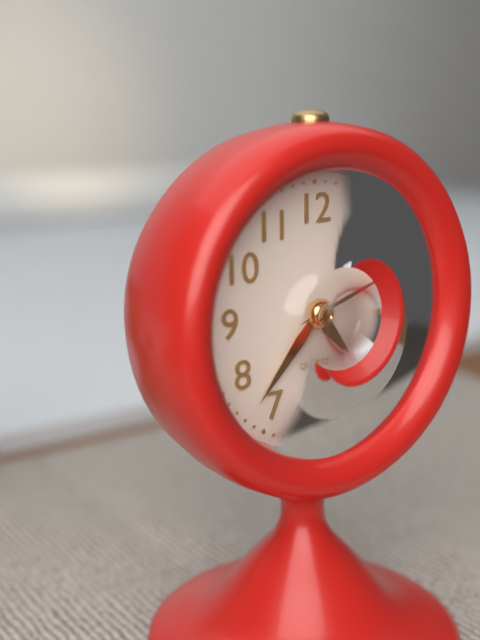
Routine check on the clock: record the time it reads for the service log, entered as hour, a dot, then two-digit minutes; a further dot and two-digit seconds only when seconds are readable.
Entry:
4.37.12
